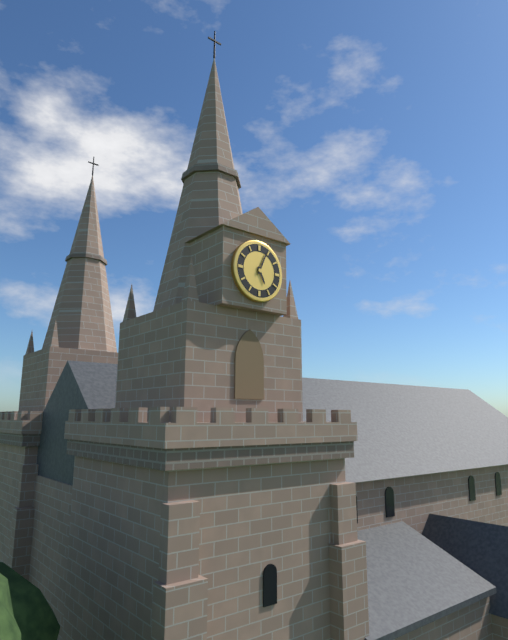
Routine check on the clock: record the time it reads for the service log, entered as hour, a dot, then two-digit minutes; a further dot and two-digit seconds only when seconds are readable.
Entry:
5.04
